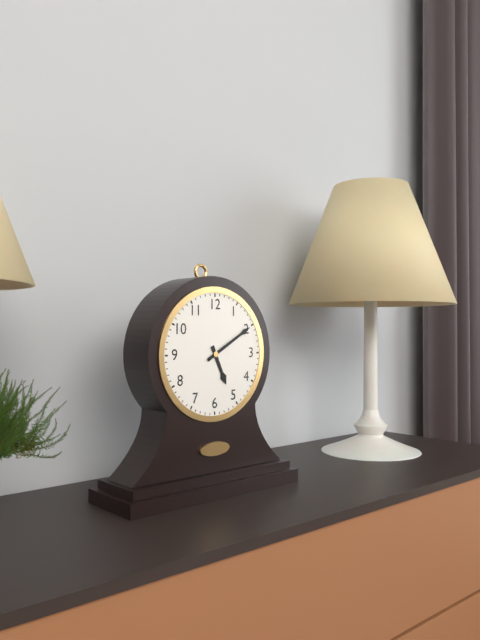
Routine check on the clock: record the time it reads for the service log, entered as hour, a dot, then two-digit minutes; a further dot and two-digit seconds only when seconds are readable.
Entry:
5.10
